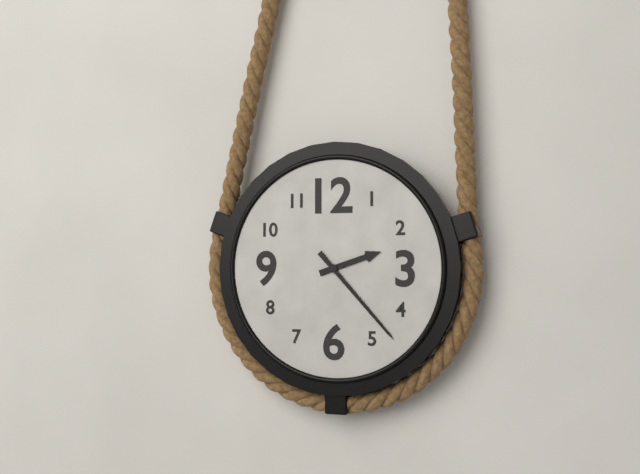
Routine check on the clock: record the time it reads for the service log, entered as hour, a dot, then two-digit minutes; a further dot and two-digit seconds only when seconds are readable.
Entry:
2.23
